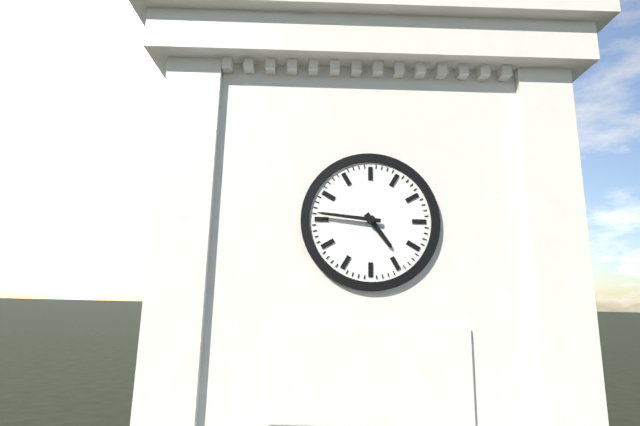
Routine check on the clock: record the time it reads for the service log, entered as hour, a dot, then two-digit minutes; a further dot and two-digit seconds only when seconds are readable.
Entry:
4.46
